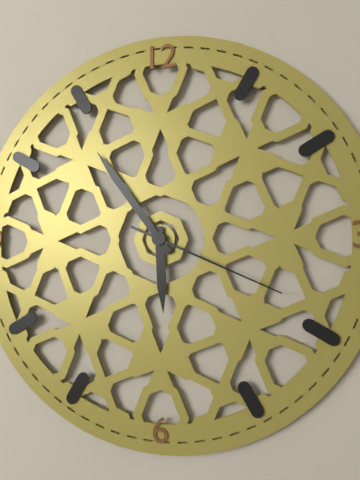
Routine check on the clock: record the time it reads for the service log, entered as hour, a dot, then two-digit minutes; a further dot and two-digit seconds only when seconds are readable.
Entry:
5.54.19
